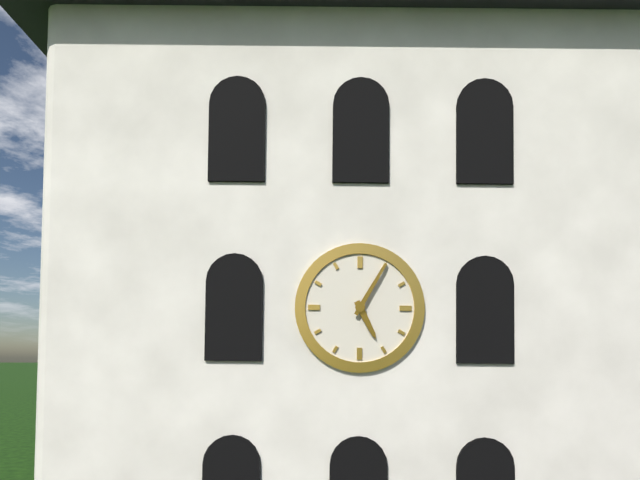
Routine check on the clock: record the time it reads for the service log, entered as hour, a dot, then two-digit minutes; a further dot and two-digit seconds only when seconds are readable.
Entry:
5.05
